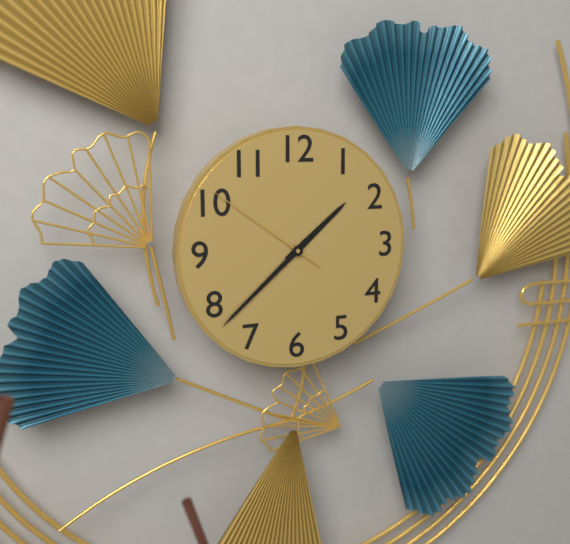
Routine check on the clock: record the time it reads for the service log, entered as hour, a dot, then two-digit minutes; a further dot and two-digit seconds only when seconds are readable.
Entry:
1.38.51
